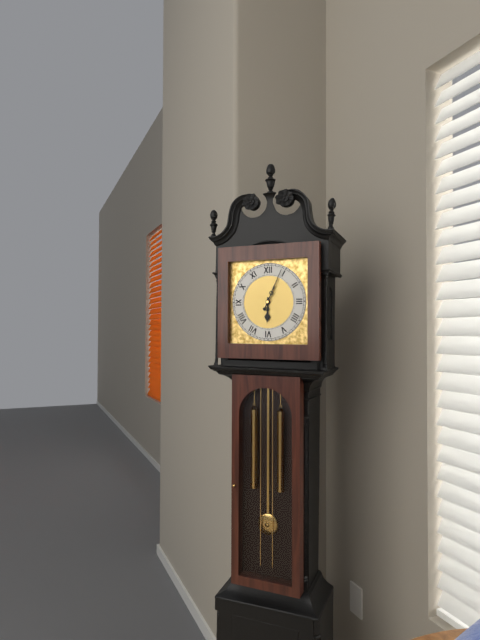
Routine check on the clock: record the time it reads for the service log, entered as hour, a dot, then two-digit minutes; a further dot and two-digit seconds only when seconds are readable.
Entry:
6.04
